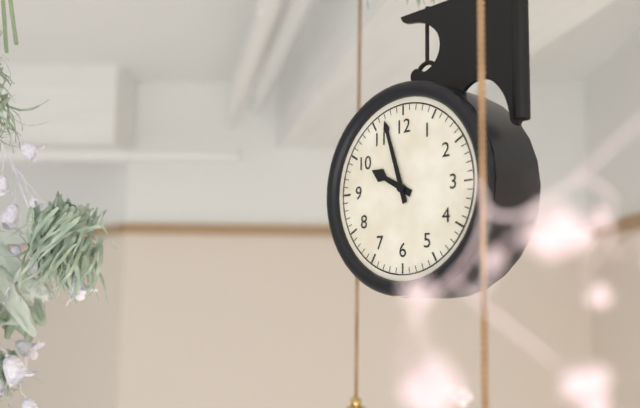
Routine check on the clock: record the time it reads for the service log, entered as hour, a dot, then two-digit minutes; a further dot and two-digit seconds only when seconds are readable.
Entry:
9.57
